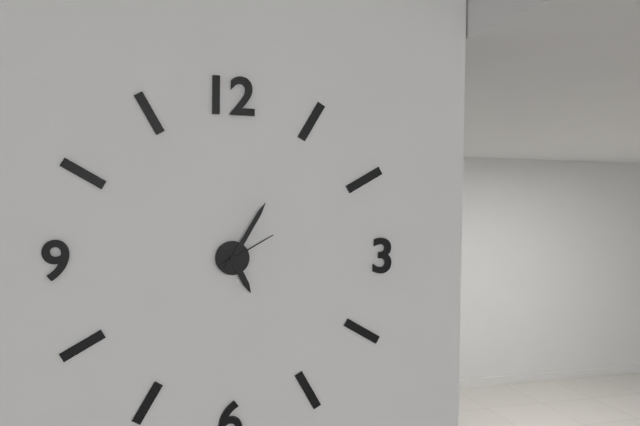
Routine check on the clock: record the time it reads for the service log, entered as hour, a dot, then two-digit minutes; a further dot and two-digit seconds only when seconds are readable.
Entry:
5.05.10
